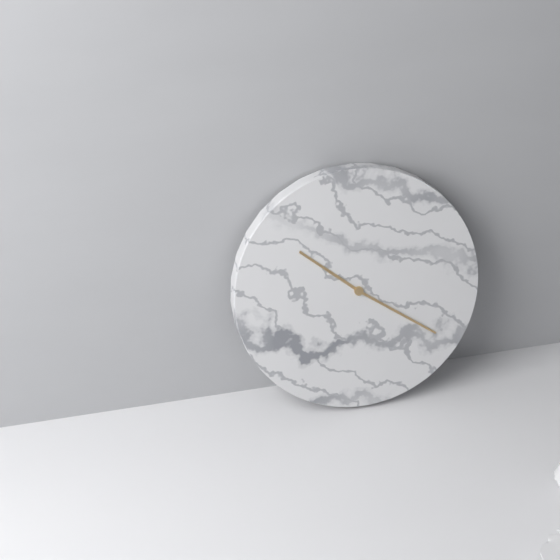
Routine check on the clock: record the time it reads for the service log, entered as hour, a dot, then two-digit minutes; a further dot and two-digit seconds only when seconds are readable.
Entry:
10.21
